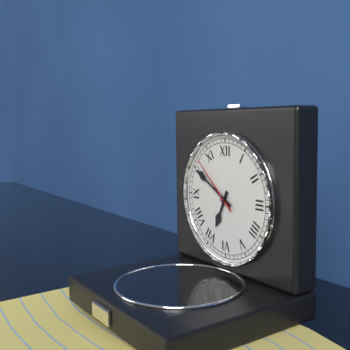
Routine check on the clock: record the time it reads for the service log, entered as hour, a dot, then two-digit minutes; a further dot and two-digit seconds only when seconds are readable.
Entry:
6.50.52
